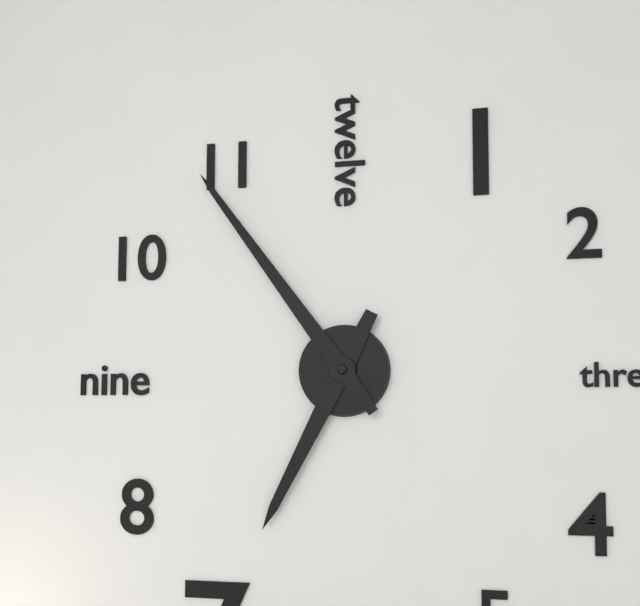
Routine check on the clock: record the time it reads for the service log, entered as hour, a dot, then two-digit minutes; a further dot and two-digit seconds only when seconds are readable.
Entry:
6.54
